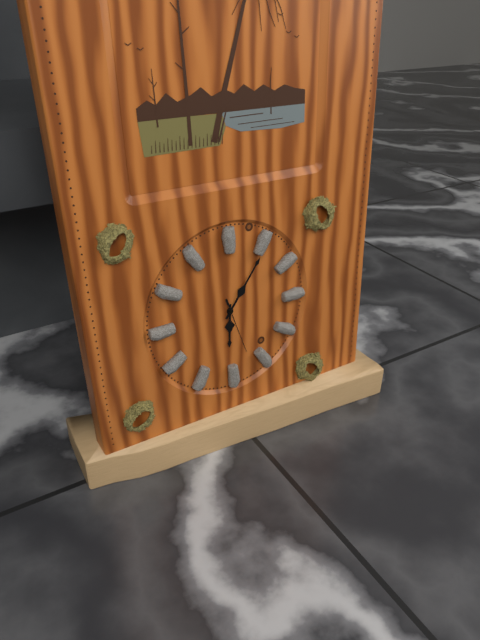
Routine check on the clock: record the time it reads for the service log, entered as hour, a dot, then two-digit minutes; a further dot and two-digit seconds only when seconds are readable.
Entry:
6.06.27
